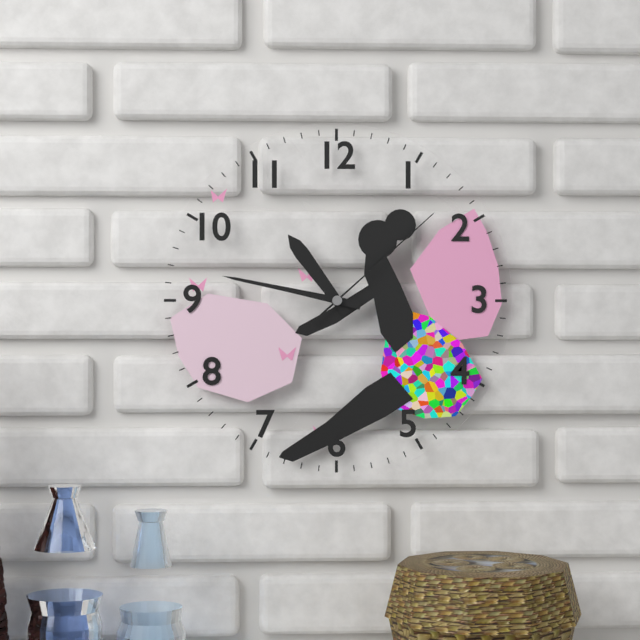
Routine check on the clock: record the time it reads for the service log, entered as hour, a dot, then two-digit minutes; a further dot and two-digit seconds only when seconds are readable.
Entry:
10.47.08
